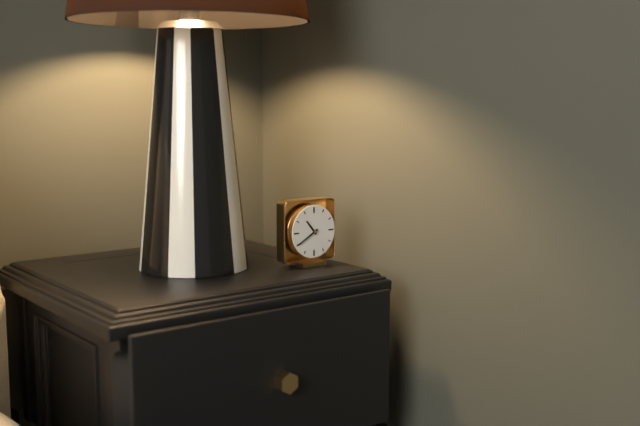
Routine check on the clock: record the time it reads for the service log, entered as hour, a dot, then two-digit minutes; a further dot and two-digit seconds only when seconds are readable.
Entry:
10.40
